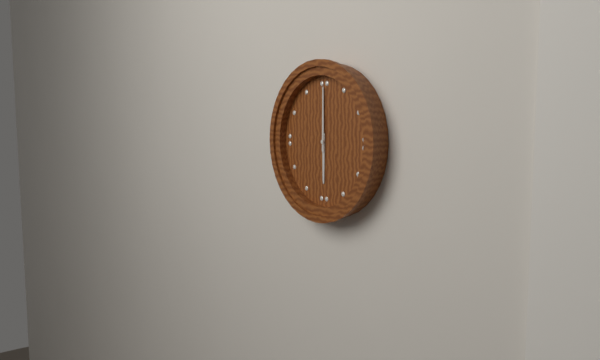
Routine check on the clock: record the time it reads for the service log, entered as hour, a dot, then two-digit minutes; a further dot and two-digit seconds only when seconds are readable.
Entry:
6.00
